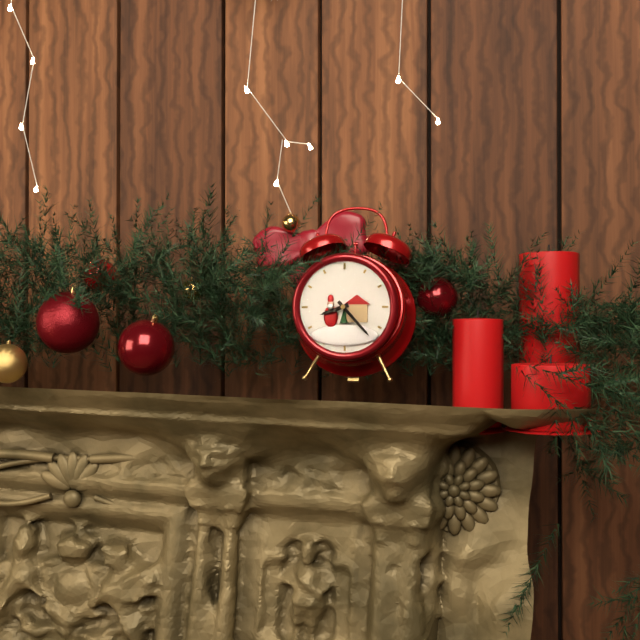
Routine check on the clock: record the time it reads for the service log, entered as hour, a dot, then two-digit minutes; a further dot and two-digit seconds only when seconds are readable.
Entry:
8.23
